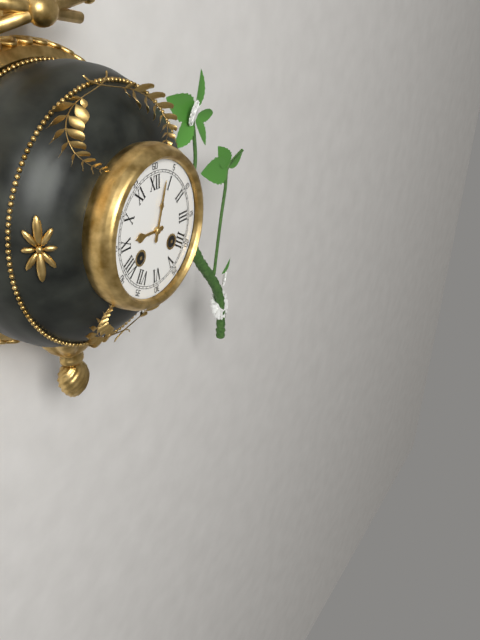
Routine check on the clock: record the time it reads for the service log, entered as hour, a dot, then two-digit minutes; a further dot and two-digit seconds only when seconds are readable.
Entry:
9.03
